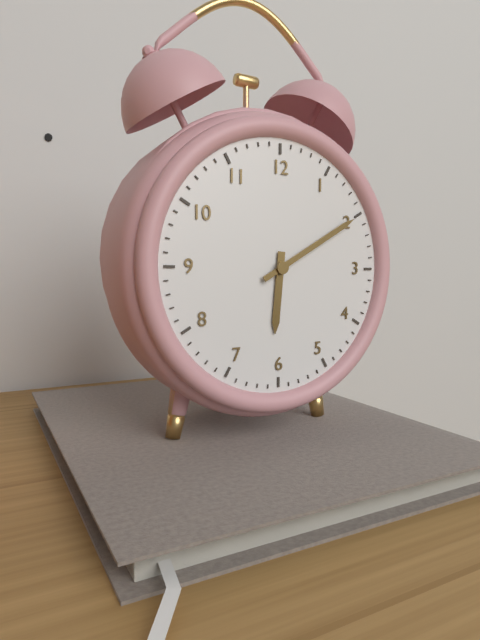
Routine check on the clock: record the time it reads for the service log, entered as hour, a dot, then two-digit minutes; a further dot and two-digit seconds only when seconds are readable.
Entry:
6.10
